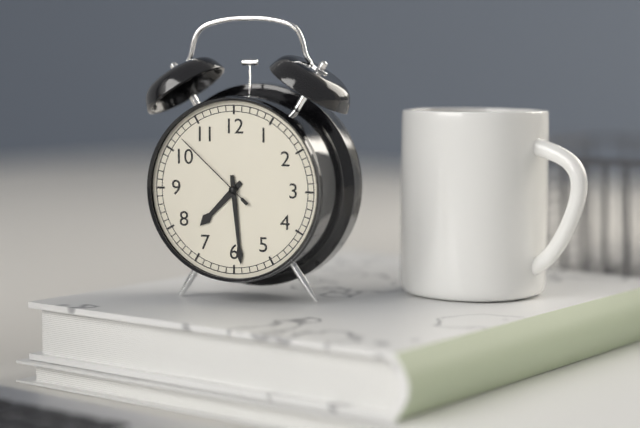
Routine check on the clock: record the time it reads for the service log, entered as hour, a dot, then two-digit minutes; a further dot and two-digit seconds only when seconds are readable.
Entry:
7.29.52
